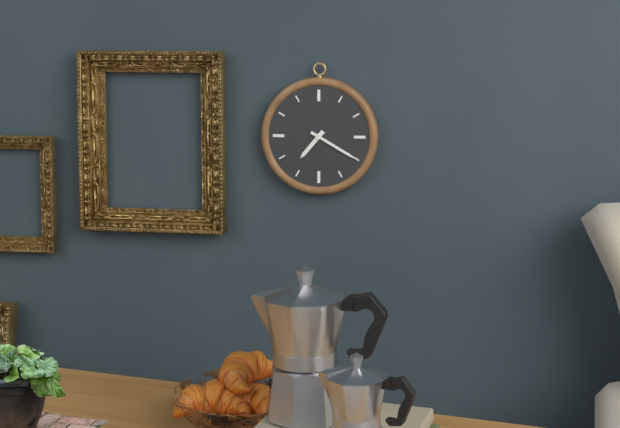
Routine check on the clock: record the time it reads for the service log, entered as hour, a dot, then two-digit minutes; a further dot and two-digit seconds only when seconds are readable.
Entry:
7.20
